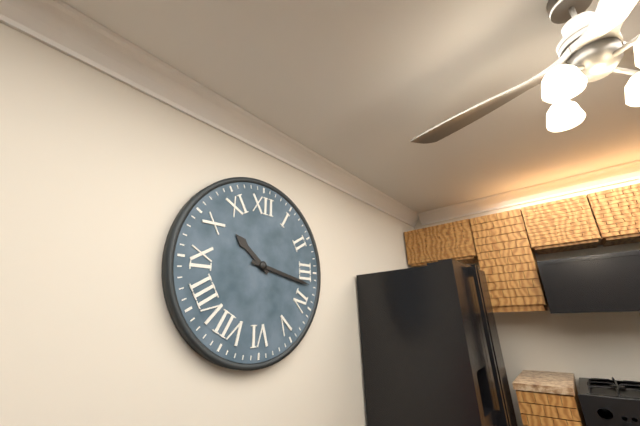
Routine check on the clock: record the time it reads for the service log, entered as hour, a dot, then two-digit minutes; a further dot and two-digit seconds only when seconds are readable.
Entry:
10.17
